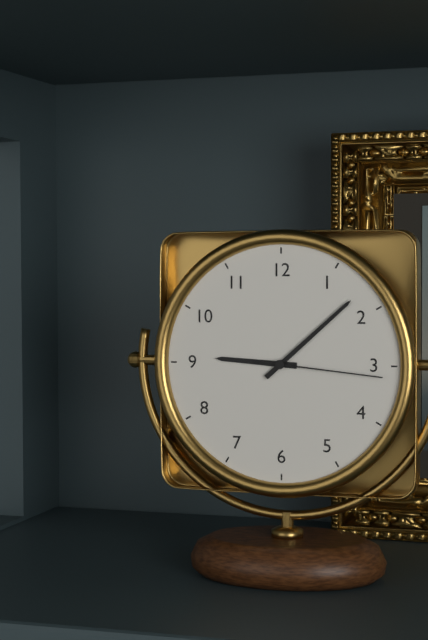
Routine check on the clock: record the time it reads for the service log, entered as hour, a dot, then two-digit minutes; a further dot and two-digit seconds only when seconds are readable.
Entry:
9.08.16
